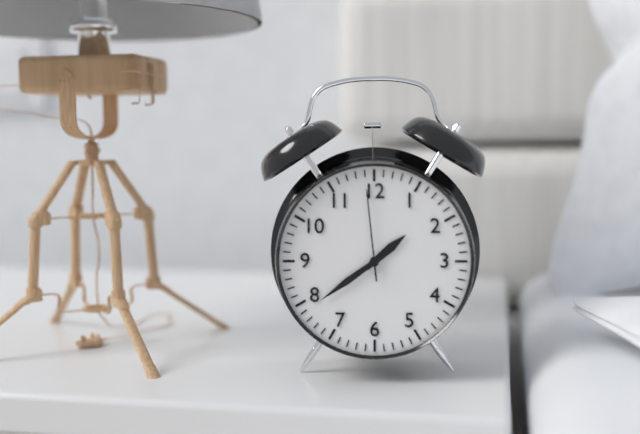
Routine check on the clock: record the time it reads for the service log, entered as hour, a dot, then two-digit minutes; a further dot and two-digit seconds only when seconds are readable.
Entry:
1.39.59
